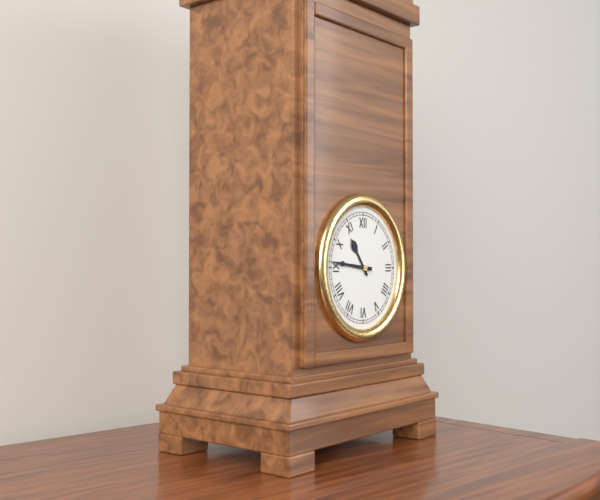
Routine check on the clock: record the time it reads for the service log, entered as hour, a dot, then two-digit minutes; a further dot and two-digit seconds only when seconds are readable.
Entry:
10.46
